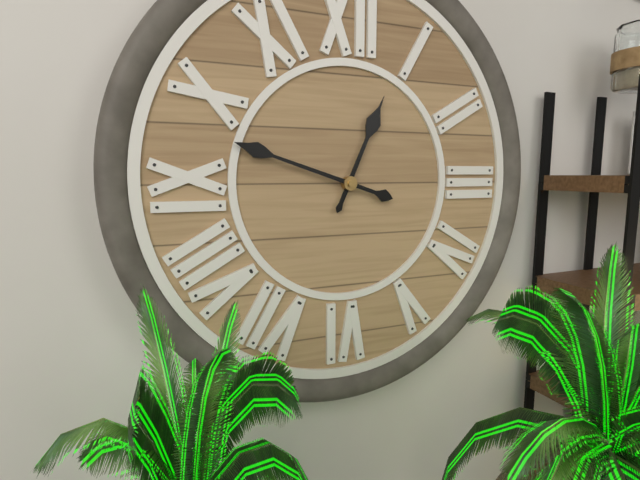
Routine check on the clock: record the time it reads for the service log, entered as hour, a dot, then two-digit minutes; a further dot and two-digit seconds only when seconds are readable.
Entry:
12.48
